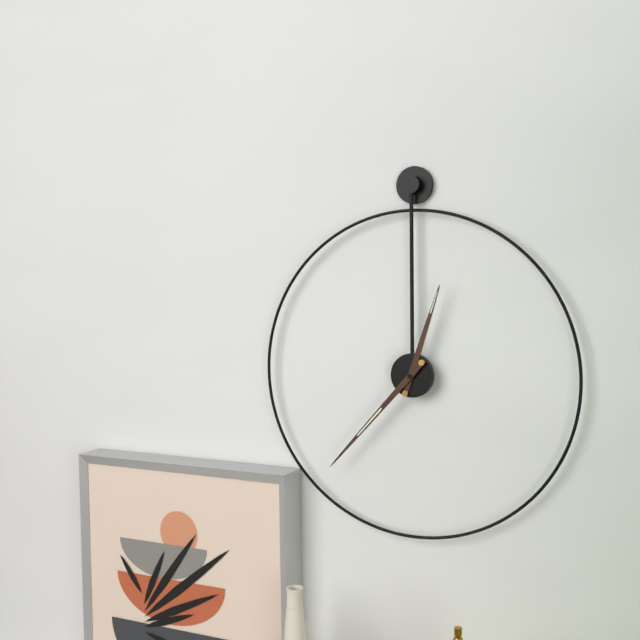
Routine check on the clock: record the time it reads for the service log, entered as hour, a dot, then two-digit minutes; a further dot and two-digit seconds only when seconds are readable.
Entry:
12.37
